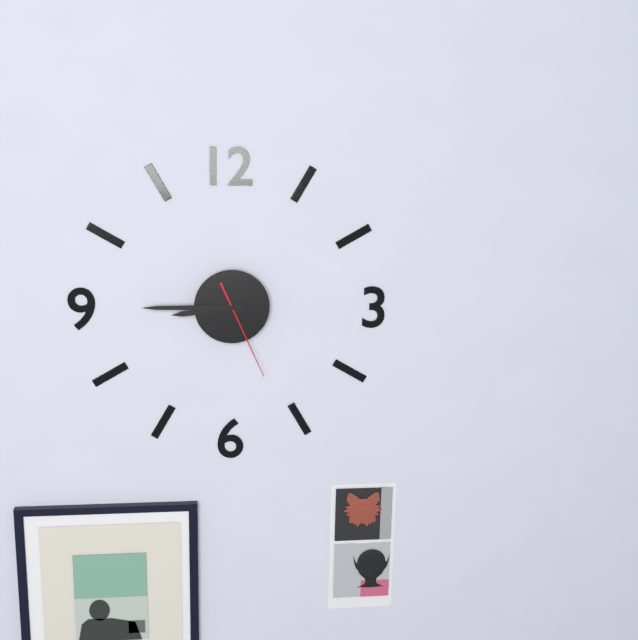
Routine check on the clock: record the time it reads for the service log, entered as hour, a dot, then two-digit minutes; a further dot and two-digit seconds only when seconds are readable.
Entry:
8.45.26
